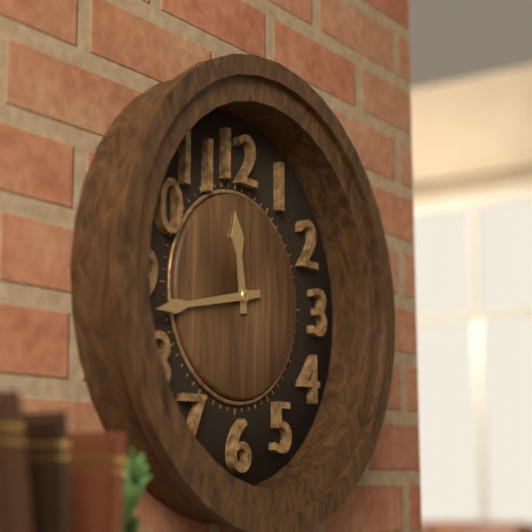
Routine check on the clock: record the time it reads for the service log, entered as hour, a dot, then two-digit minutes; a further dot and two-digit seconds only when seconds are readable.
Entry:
11.43
